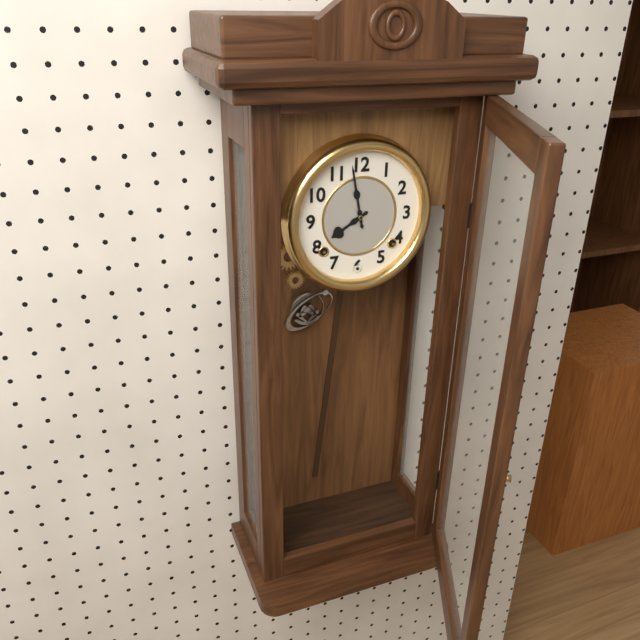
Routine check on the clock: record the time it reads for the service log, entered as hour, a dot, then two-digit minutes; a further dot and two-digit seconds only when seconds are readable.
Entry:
7.58
